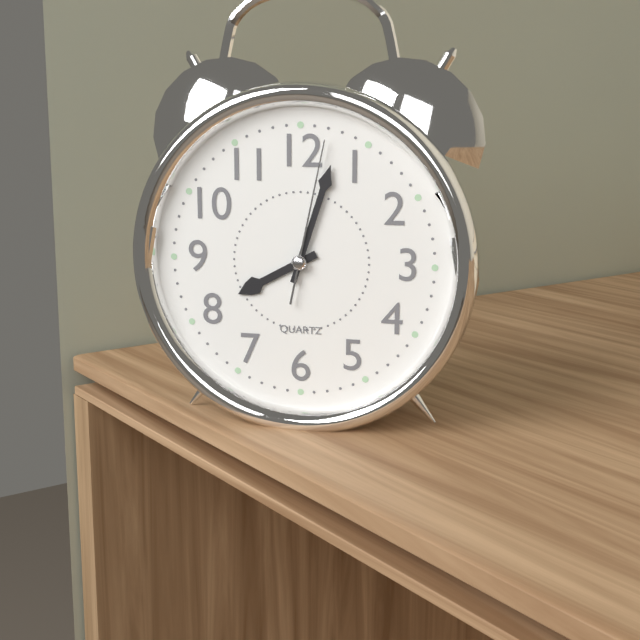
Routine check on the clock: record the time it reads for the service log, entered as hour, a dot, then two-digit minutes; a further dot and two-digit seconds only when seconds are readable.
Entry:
8.03.02
